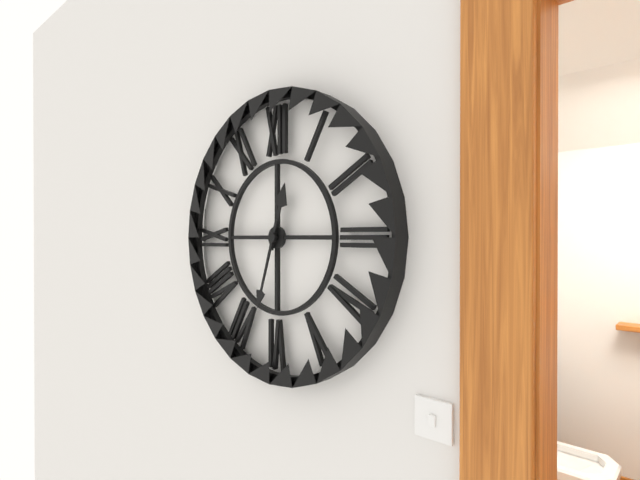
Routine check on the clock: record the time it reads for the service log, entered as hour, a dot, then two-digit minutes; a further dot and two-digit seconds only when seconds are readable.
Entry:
12.33
